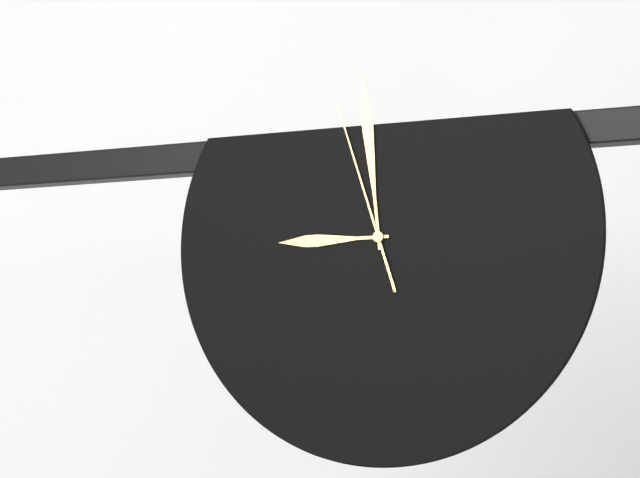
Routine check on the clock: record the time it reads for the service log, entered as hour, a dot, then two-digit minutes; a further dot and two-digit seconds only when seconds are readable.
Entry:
8.59.57
